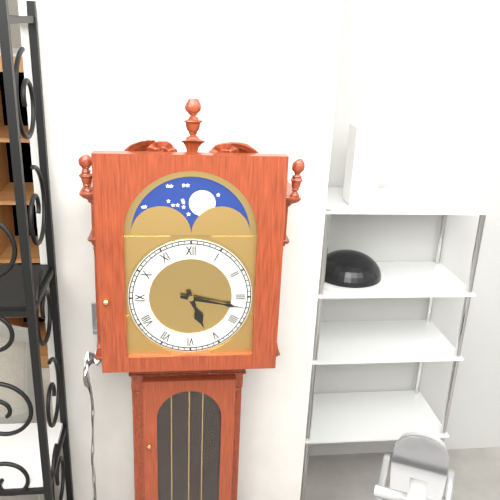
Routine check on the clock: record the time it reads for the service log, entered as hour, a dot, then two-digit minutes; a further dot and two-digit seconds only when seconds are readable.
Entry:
5.17
